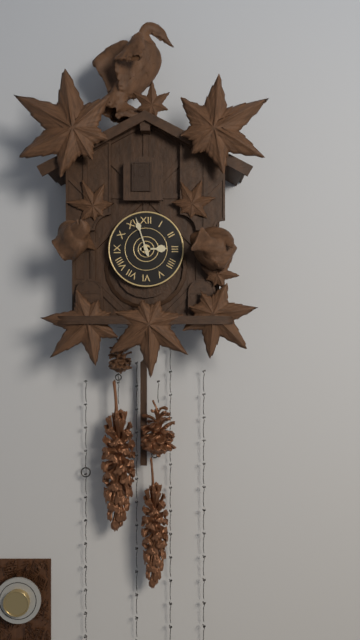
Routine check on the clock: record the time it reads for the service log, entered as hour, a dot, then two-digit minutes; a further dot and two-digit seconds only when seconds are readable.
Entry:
2.57
